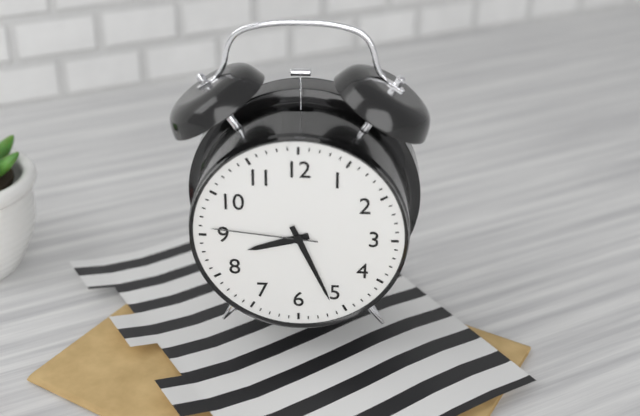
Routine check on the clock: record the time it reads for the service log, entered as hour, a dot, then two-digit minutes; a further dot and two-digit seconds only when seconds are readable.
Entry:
8.26.46
